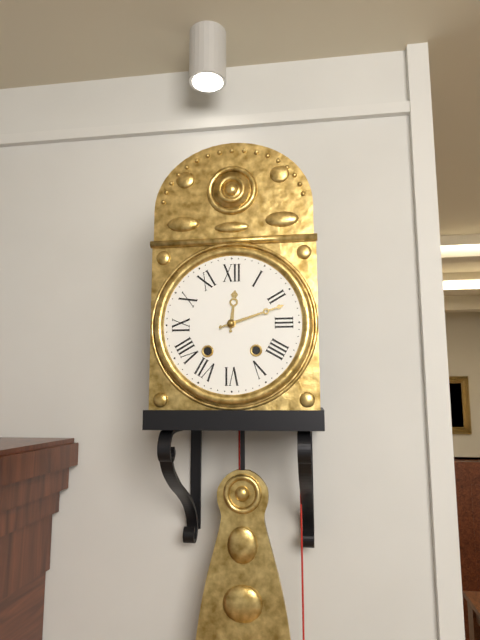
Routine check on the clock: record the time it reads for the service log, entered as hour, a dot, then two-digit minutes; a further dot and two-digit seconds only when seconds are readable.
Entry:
12.12
